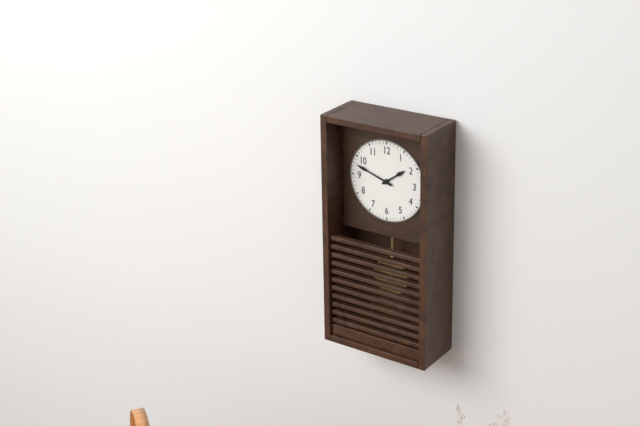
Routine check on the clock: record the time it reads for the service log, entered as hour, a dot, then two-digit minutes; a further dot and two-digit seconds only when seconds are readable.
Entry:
1.48
